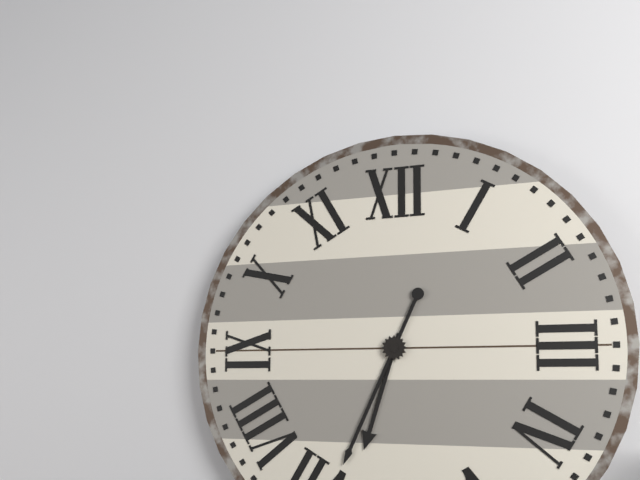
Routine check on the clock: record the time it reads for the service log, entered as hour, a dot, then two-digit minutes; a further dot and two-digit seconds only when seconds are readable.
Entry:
6.34
